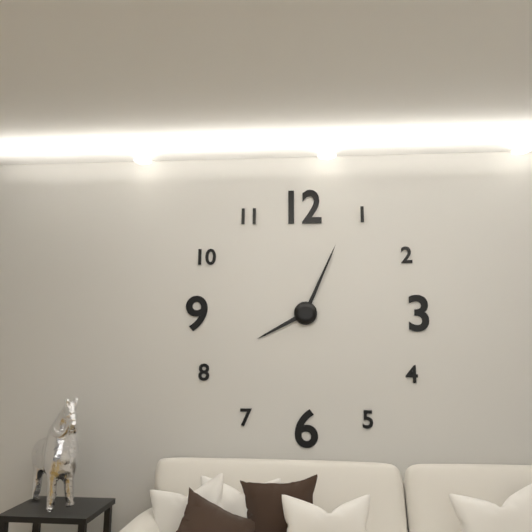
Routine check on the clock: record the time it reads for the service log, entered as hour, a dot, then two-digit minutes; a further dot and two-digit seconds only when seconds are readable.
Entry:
8.04
